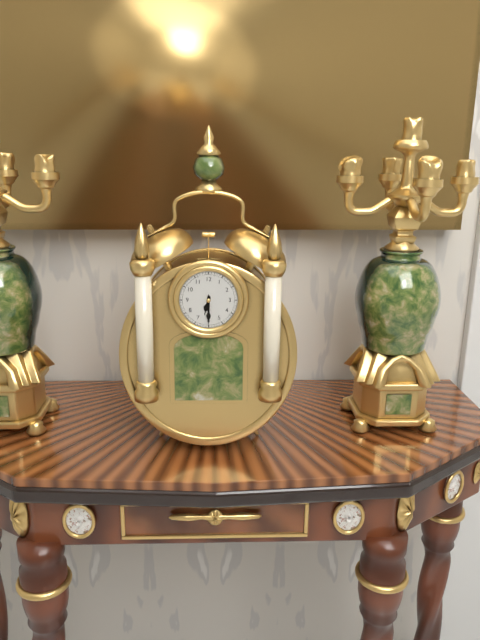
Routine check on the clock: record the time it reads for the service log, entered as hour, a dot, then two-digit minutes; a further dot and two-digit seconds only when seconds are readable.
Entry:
6.30
